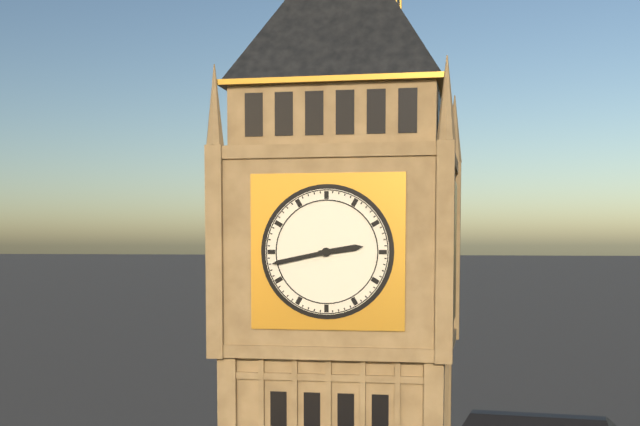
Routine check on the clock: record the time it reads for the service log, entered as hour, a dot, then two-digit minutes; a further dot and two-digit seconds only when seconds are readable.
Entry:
2.43
